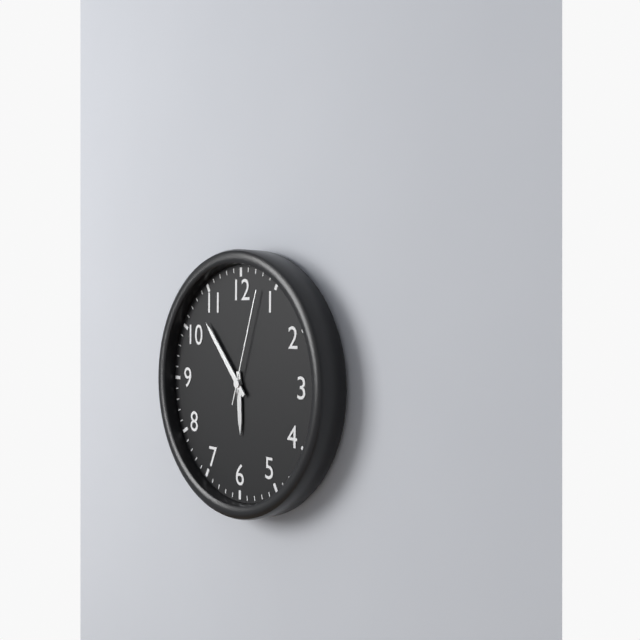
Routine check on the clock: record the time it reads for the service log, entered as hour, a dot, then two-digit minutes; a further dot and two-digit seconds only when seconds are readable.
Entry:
5.53.03
